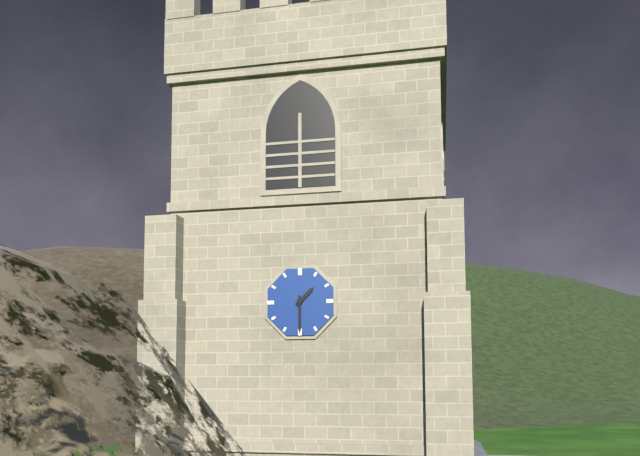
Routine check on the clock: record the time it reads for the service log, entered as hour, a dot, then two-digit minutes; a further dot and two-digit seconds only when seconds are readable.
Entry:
1.30
